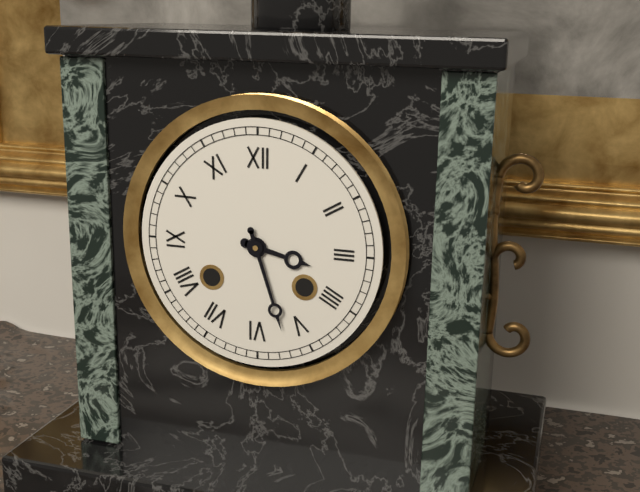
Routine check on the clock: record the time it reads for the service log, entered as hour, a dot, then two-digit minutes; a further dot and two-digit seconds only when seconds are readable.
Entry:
3.27
